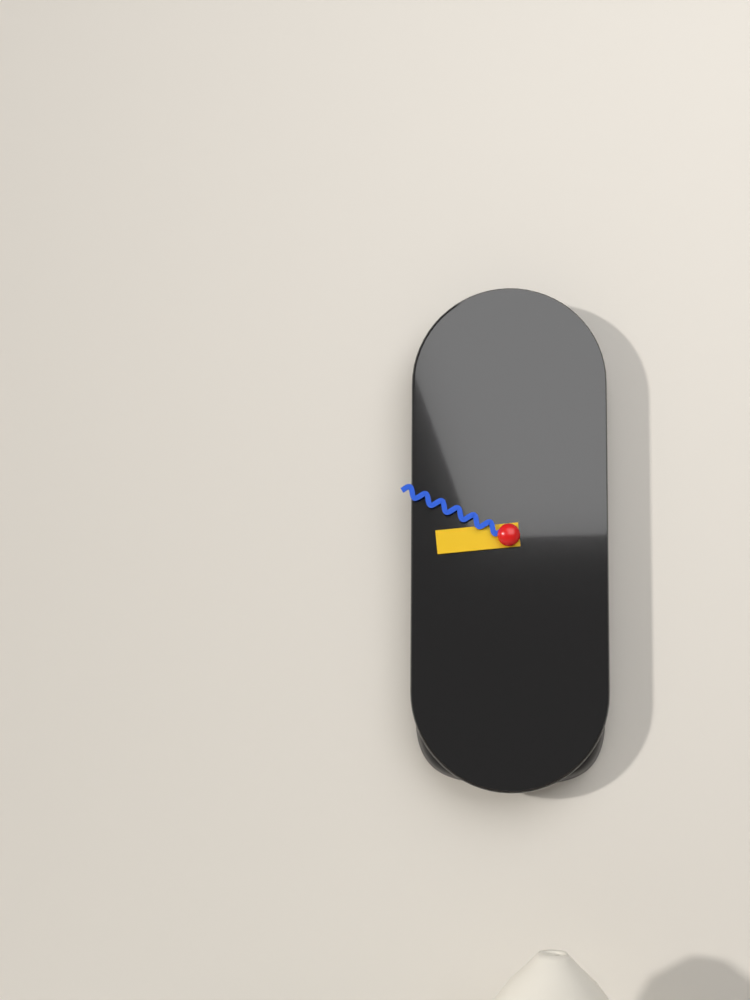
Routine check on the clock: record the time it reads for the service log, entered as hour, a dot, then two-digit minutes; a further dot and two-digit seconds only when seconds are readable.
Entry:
8.49
